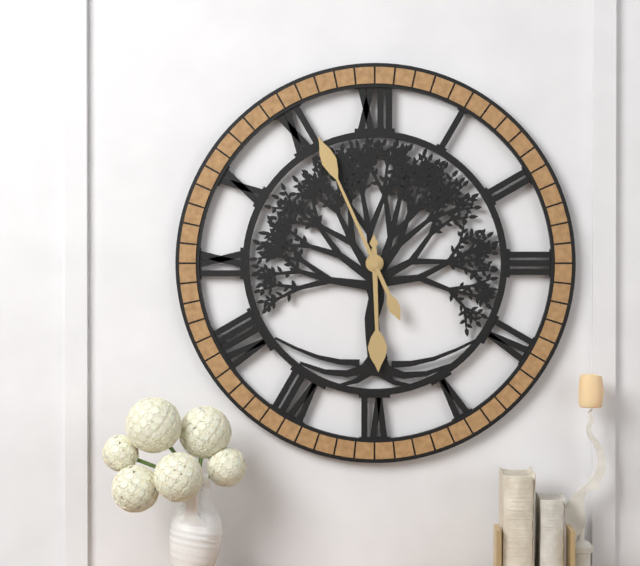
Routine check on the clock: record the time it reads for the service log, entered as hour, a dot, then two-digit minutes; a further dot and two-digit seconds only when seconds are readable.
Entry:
5.56
